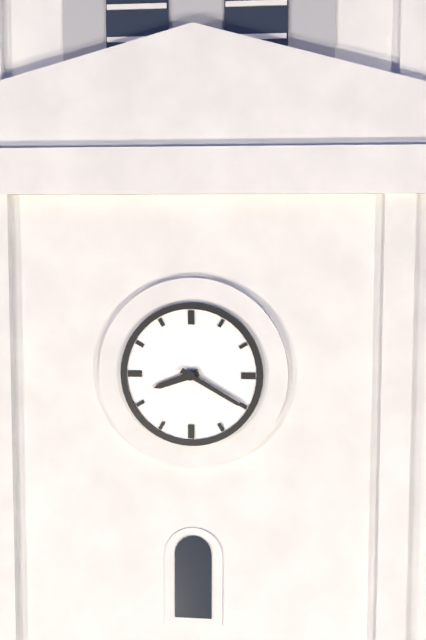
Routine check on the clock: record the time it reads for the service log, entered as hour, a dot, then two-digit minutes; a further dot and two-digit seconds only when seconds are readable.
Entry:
8.20
